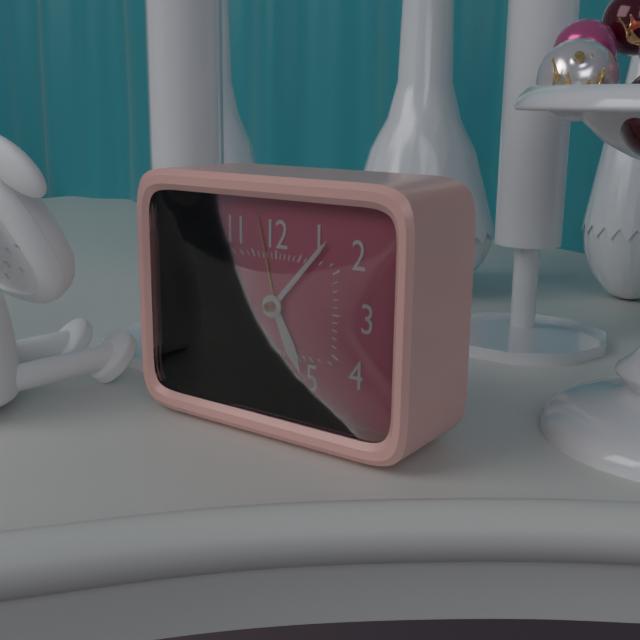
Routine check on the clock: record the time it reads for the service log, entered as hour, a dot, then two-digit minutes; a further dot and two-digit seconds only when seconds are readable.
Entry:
5.07
